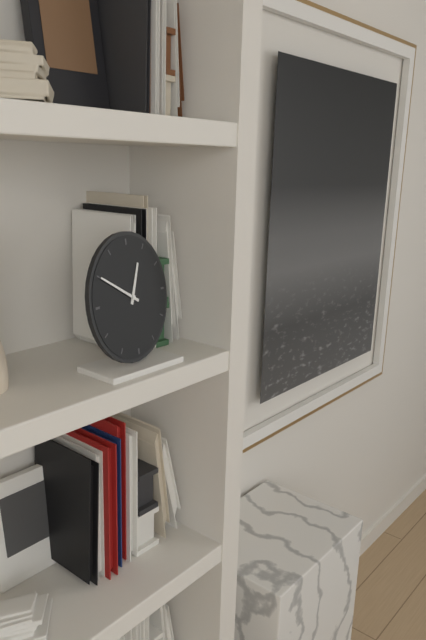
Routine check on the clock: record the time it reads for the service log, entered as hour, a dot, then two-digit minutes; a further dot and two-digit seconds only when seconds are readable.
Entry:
12.50
